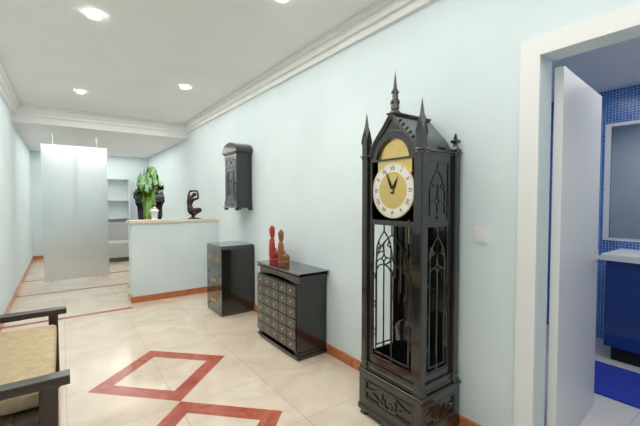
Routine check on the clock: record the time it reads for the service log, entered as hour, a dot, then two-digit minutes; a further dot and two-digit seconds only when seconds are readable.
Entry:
12.56
